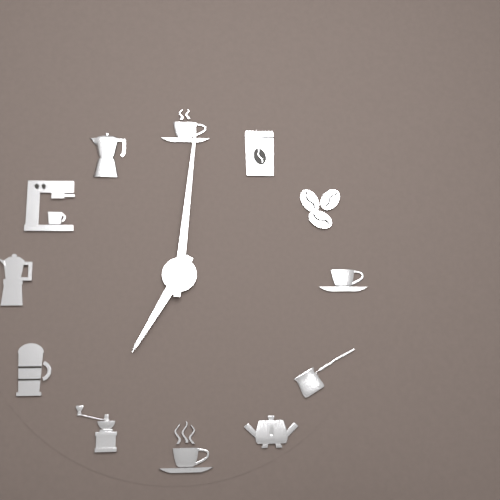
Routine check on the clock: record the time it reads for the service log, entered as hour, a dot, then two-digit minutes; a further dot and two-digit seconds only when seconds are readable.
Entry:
7.01
